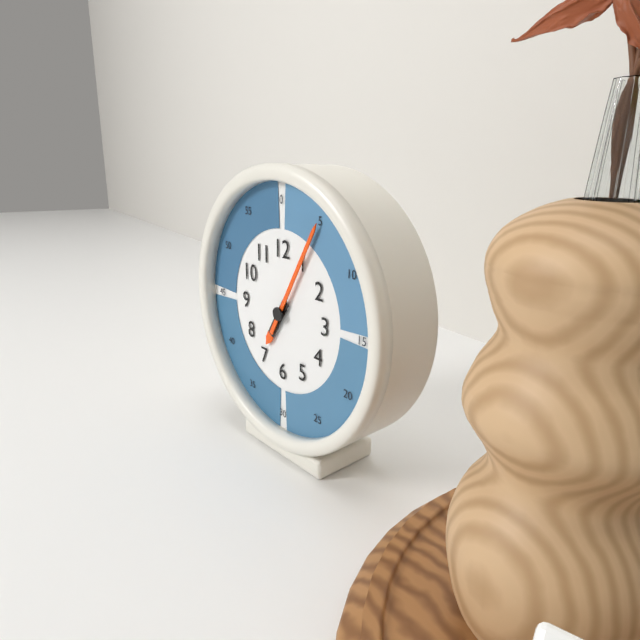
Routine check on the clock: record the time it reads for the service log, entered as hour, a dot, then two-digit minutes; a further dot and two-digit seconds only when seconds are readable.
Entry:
7.05
